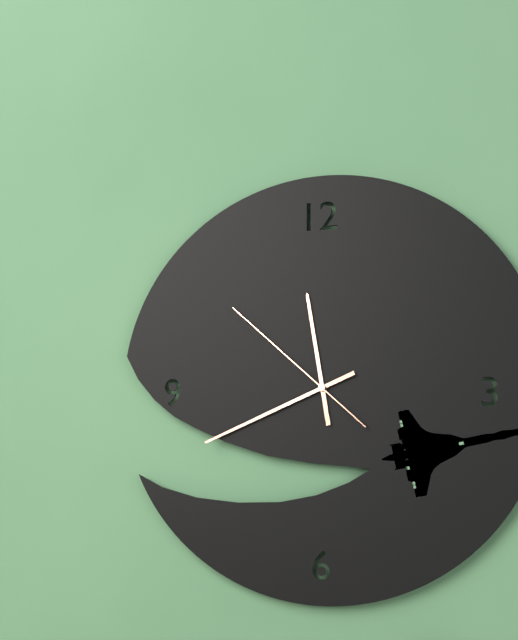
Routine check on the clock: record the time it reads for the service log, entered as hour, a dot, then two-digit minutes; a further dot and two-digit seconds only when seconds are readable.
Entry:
11.41.52
